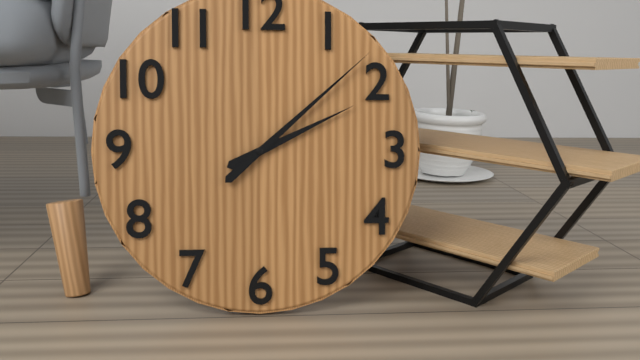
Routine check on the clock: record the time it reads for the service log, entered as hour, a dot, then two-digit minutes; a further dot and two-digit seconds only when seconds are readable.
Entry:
2.08
